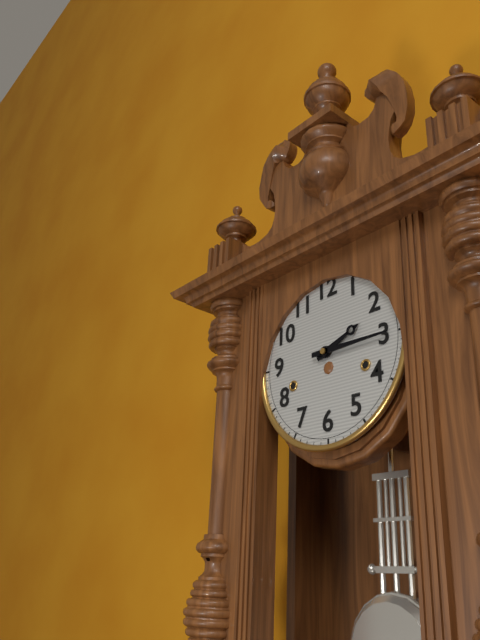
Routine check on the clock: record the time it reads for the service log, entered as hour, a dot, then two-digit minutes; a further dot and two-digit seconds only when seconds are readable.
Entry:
2.15
